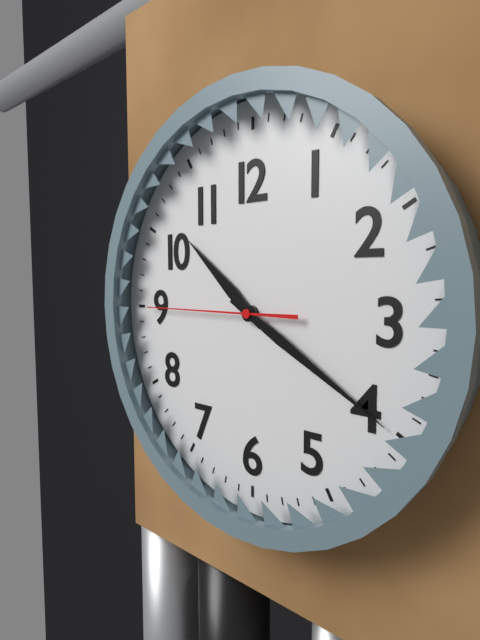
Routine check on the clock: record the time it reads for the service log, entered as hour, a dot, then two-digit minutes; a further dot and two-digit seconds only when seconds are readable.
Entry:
10.20.45
